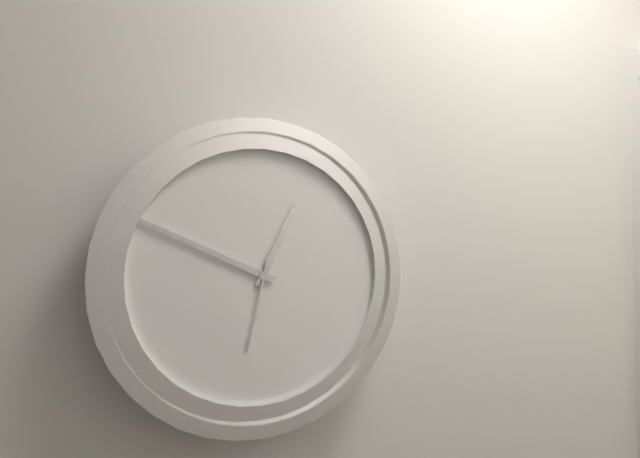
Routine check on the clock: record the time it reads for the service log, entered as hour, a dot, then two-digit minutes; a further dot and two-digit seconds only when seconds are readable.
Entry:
12.49.32
